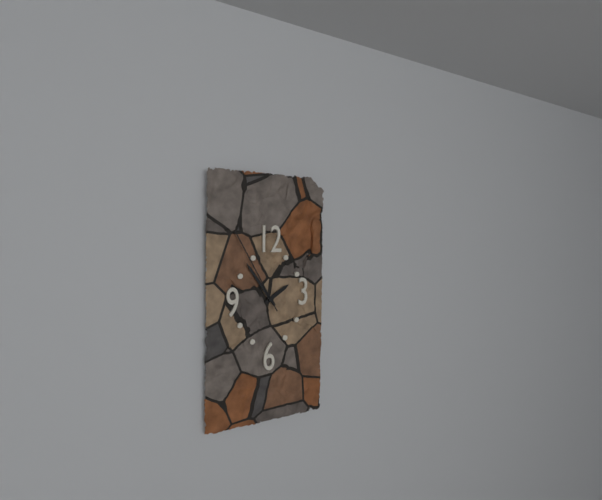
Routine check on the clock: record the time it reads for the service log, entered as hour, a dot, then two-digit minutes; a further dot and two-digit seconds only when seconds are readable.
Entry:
1.54.55
